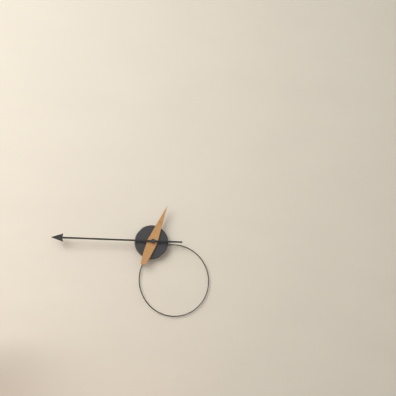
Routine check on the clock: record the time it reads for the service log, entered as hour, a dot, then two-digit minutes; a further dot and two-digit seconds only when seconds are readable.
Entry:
12.45
